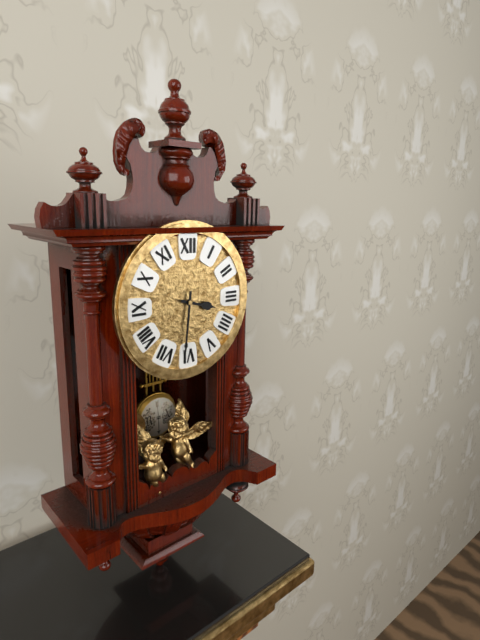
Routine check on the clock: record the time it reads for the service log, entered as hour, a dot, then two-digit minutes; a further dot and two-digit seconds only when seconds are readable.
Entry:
3.31
